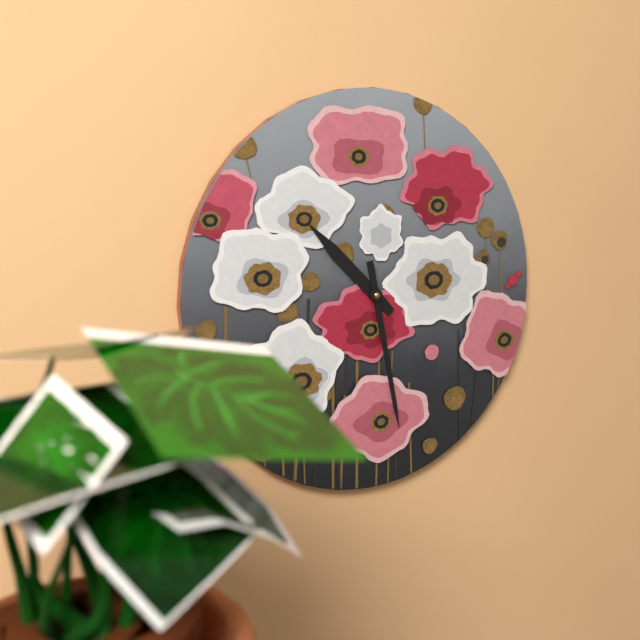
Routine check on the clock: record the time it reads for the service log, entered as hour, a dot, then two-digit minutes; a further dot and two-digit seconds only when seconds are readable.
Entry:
10.28
